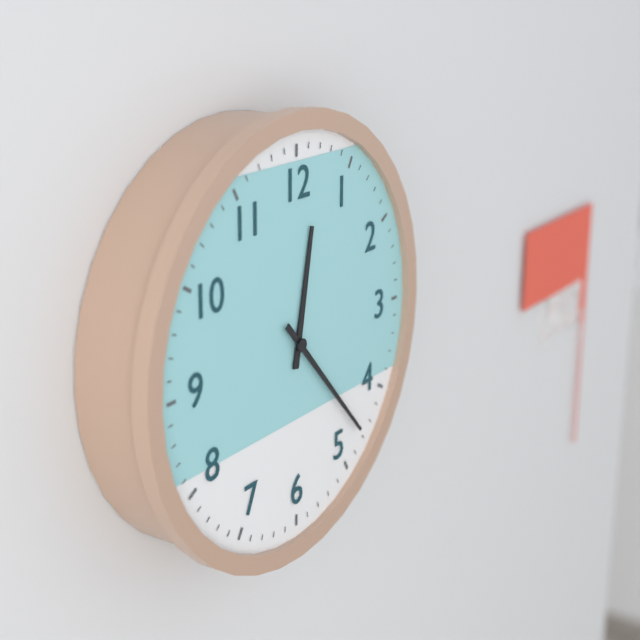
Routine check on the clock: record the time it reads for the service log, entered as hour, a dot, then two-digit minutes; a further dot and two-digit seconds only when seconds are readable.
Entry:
12.23
